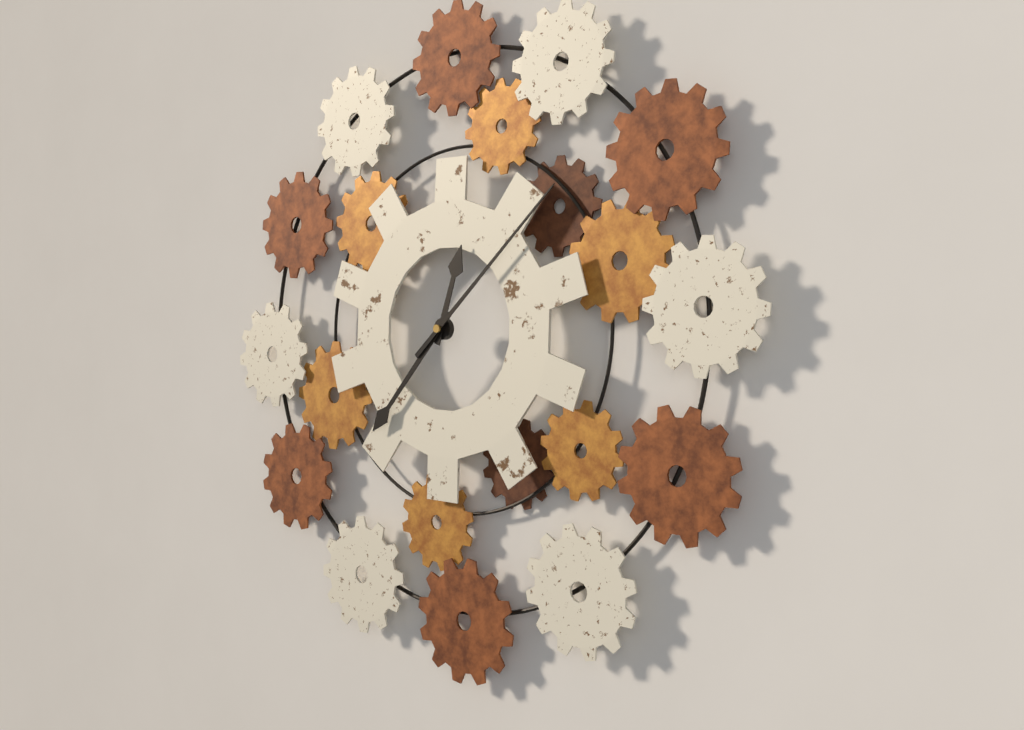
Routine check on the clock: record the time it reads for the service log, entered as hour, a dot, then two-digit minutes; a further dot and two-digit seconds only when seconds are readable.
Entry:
12.37.08
